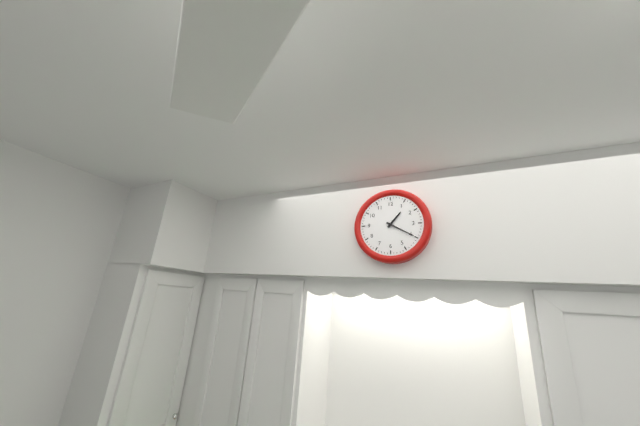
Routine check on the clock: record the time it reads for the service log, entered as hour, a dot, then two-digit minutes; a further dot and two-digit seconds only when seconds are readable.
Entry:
1.20
